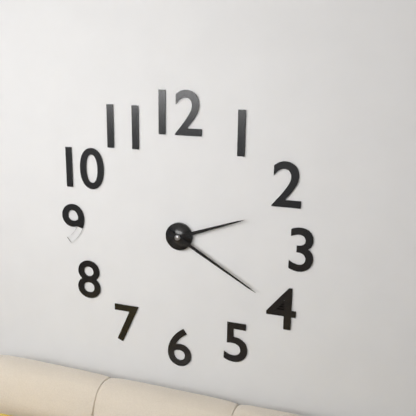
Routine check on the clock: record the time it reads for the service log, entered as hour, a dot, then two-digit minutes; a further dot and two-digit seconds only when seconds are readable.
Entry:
2.20
